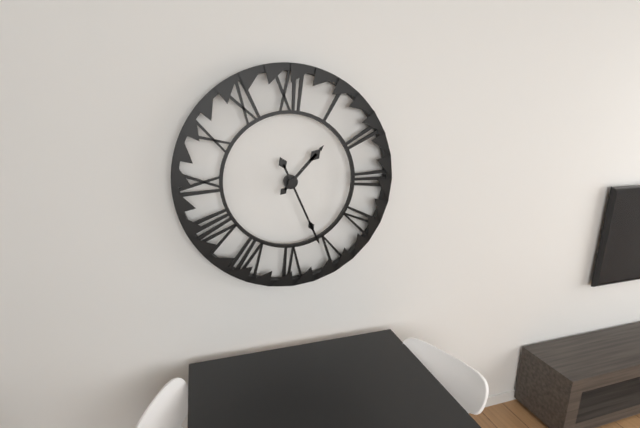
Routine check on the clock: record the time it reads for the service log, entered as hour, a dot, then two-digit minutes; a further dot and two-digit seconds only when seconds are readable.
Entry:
1.26
